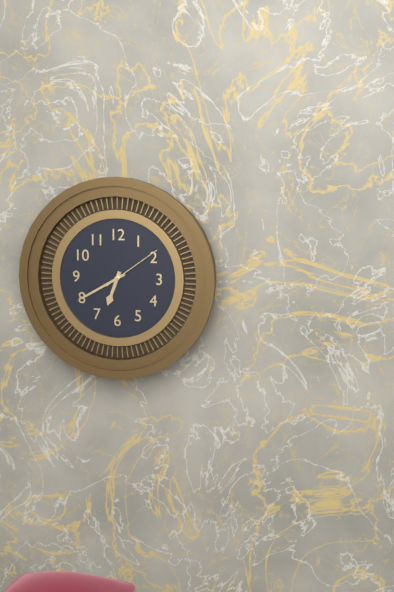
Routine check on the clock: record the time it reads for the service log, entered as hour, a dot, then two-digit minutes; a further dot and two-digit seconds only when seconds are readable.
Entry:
6.40.09
